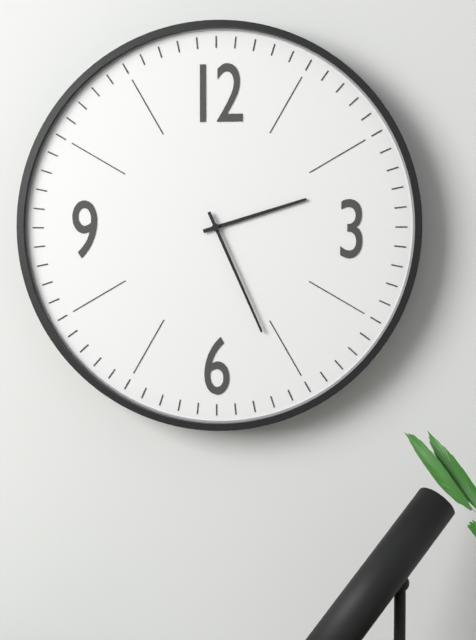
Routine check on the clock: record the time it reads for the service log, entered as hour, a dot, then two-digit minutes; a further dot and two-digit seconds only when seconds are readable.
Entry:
2.26
